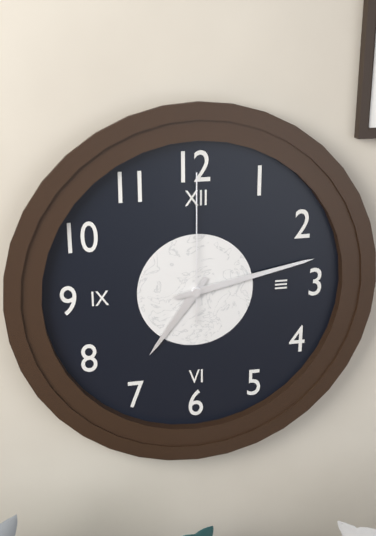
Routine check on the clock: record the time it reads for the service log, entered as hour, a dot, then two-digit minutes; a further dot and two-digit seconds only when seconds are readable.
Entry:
7.13.00
